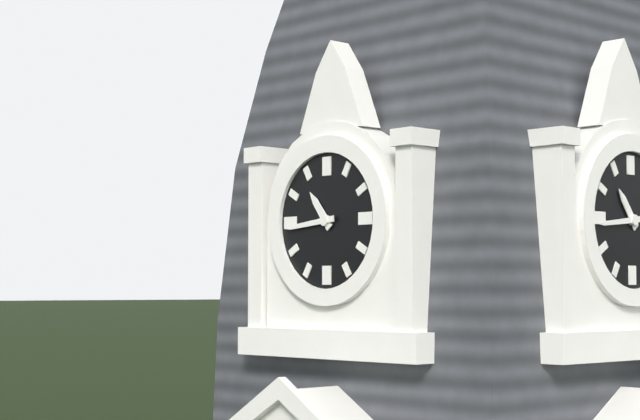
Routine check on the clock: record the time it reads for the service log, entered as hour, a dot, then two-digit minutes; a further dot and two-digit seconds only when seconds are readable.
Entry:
10.44
